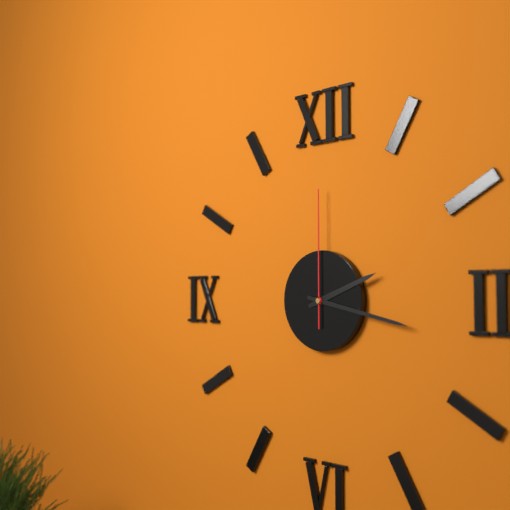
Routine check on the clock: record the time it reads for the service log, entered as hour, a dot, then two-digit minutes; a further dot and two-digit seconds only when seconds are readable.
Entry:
2.17.00
